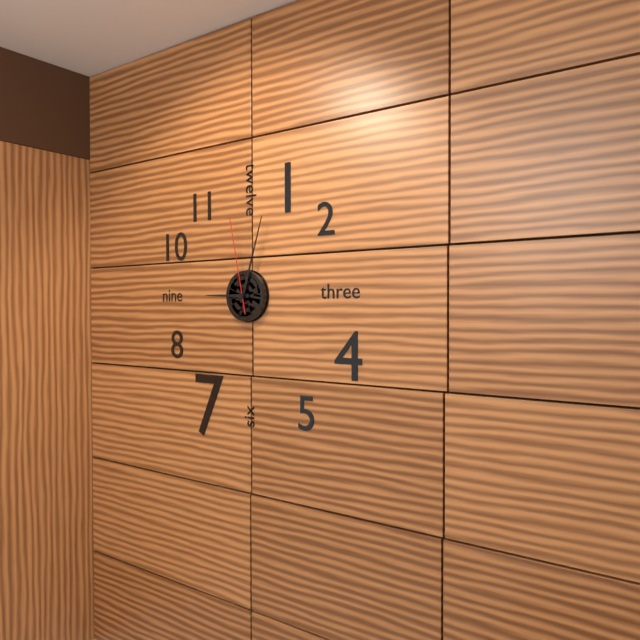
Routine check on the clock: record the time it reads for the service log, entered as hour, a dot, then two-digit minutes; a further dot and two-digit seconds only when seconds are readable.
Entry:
9.03.58
